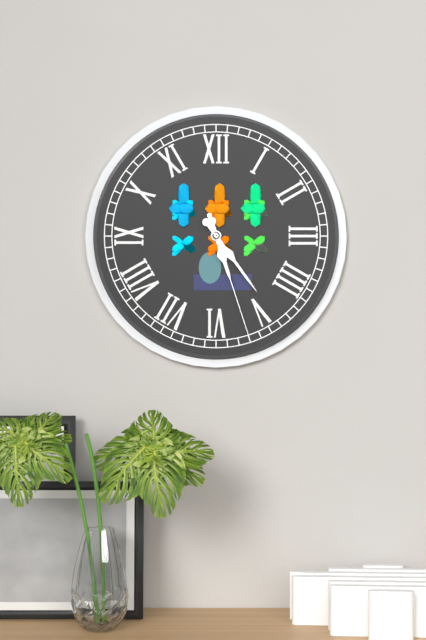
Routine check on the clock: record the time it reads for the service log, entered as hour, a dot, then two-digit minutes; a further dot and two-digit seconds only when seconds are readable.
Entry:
5.24.27
